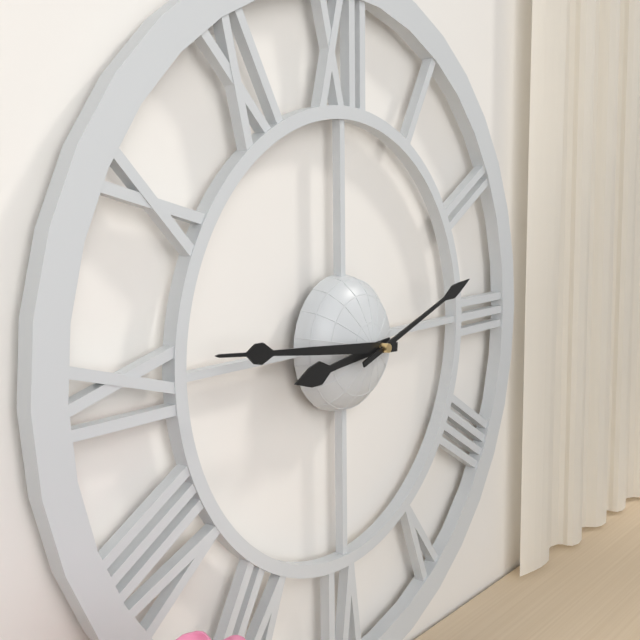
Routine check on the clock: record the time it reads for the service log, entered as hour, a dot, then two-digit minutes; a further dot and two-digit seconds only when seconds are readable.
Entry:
8.46.12
